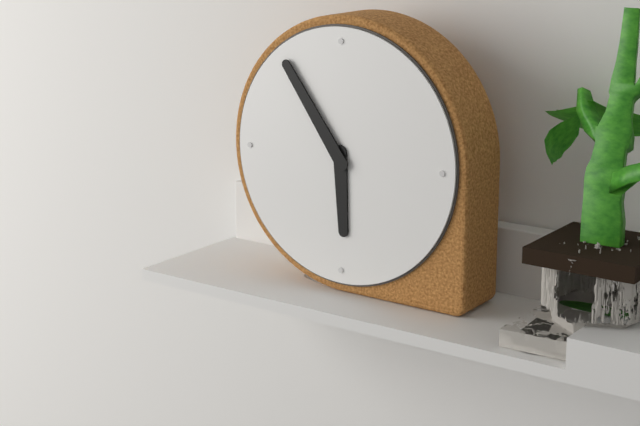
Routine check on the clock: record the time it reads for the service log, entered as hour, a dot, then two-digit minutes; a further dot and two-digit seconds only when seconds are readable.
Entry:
5.54
